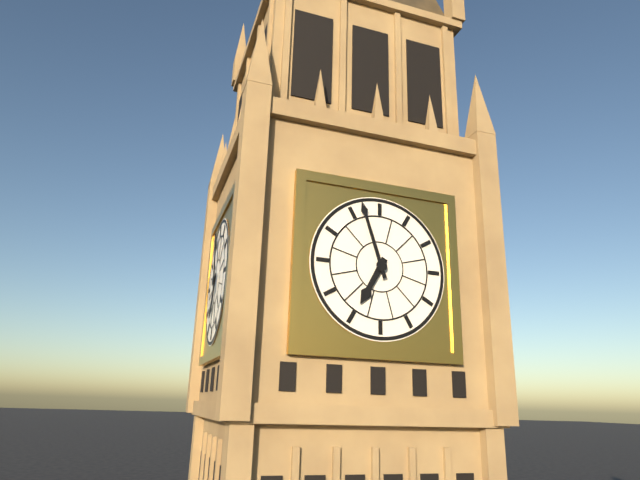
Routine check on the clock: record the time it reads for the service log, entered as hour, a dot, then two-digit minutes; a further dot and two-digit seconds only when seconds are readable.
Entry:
6.57
